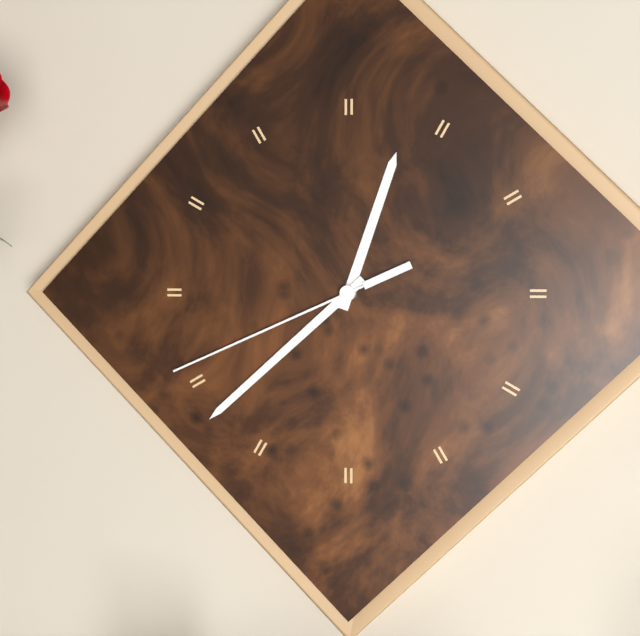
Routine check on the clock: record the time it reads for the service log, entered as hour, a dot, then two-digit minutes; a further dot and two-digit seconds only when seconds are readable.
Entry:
12.38.41
